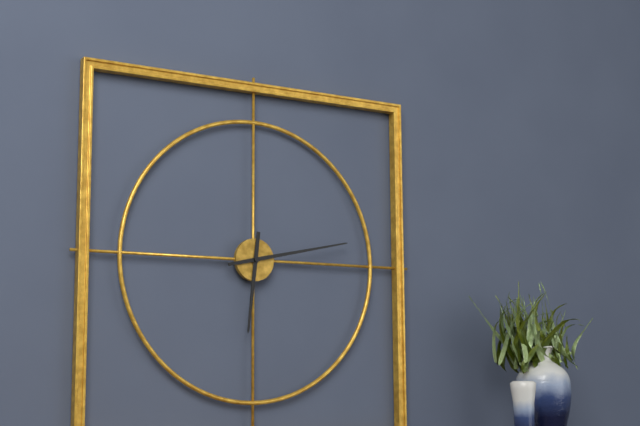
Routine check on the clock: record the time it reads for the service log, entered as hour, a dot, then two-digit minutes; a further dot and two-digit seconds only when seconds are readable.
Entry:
6.13
